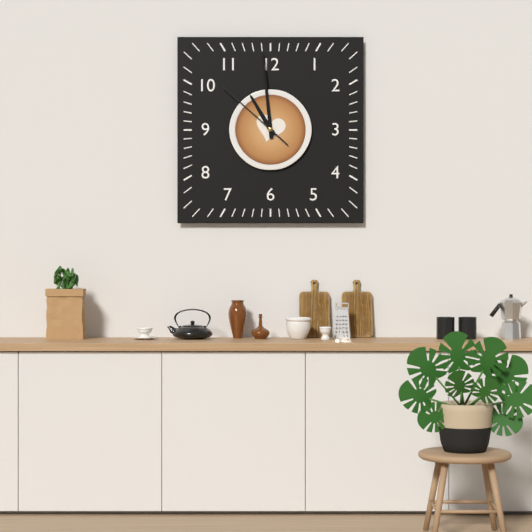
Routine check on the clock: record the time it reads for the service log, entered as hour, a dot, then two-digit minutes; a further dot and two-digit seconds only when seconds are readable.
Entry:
10.59.52
